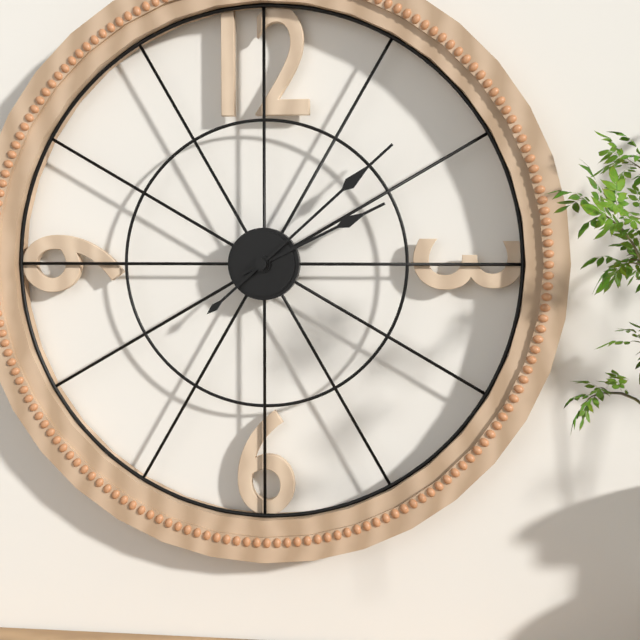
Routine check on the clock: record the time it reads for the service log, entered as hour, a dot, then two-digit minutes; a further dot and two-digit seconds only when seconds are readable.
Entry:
2.08
